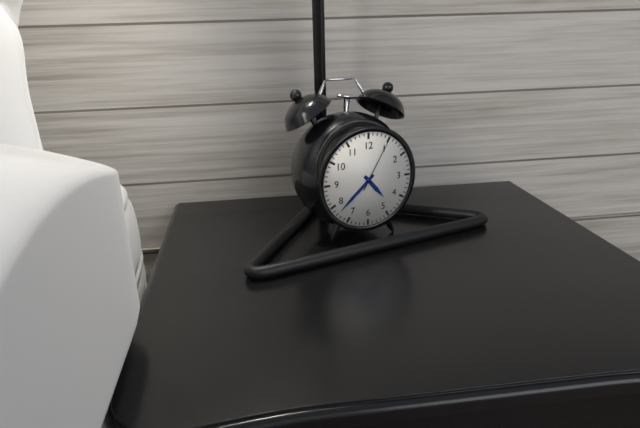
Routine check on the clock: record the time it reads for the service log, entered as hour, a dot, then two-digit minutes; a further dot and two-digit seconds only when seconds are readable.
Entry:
4.38.05
